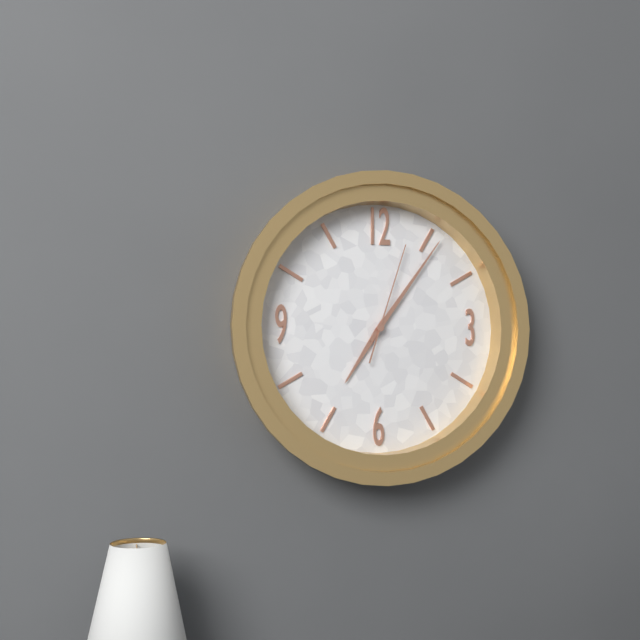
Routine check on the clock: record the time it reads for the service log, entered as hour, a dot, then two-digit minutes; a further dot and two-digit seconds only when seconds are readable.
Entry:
7.06.03
